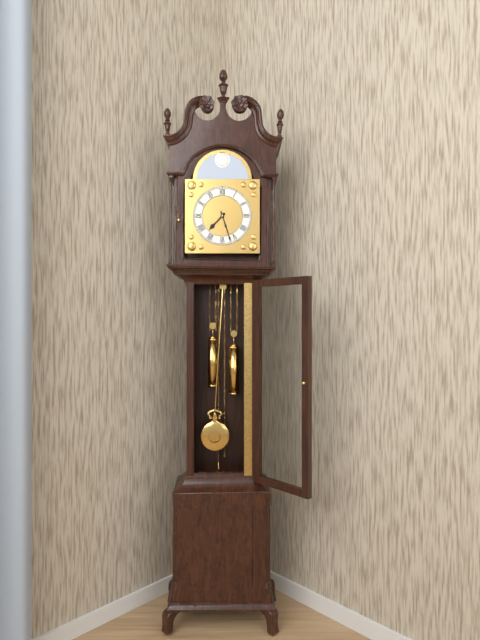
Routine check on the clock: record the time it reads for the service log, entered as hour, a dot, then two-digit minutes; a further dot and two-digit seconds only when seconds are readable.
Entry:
7.27
